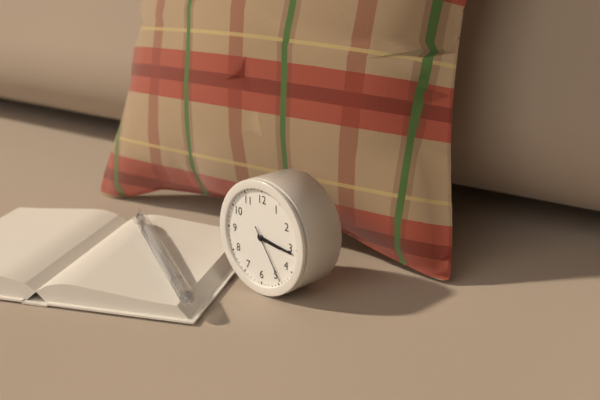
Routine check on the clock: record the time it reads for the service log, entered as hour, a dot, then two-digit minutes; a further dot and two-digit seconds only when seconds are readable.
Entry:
3.16.24
